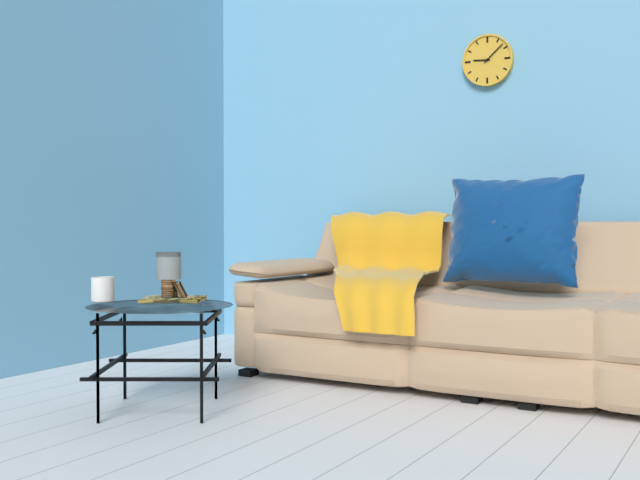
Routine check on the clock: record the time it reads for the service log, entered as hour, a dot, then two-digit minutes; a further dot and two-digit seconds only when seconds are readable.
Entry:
9.08
